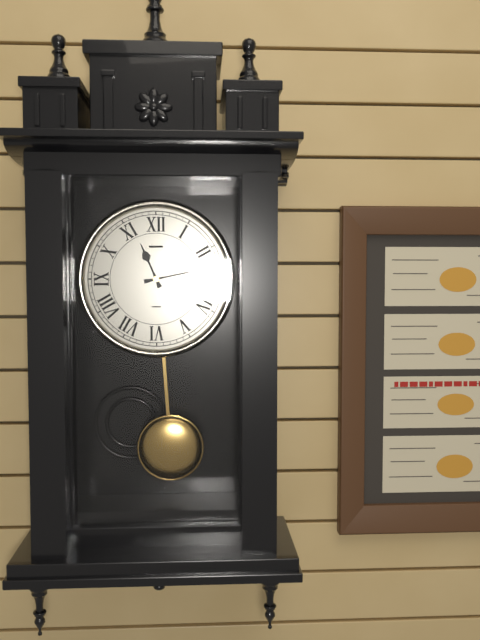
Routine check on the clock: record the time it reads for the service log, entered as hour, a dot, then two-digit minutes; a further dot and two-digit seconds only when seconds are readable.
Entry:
11.13
